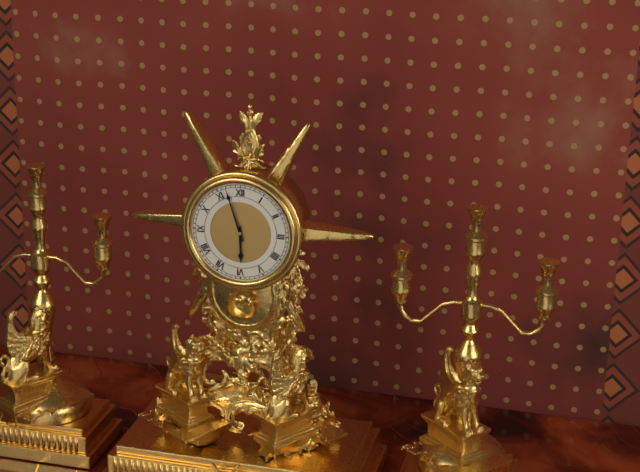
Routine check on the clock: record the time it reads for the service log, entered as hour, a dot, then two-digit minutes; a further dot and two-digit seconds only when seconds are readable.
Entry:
5.57
